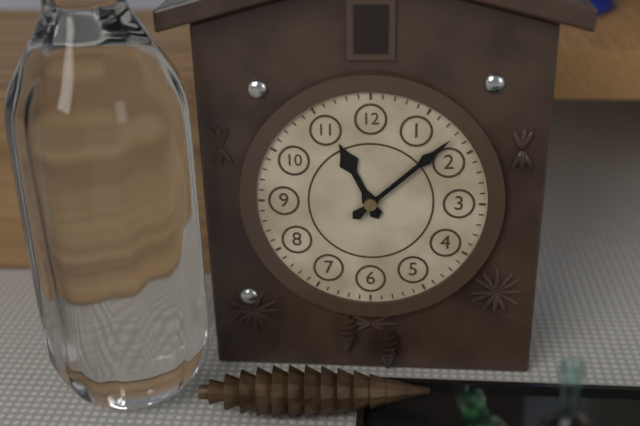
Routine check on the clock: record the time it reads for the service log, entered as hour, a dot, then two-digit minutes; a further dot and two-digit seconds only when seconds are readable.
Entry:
11.08
